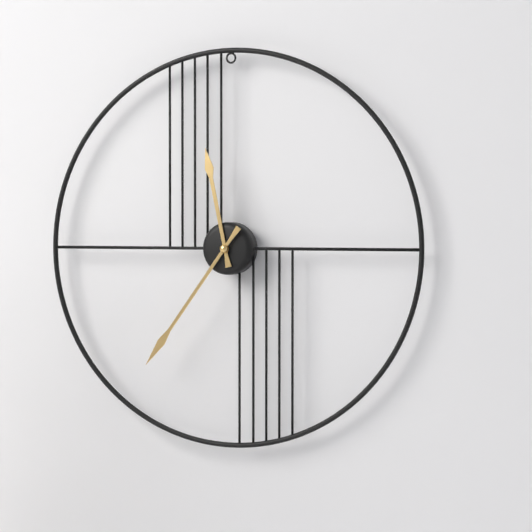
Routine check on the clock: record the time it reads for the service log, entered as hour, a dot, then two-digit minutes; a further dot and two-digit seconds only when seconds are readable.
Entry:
11.36
